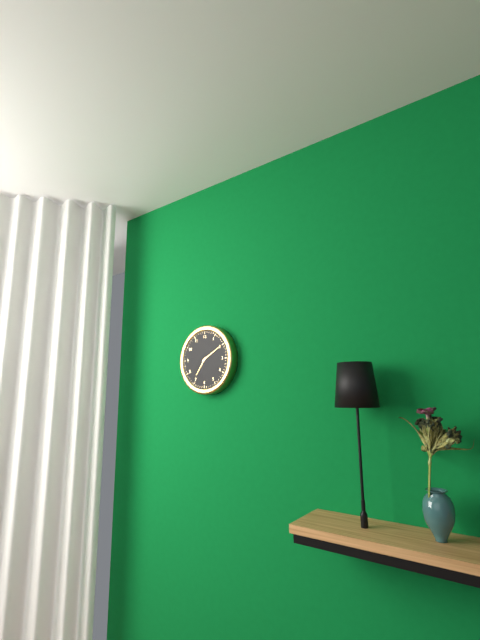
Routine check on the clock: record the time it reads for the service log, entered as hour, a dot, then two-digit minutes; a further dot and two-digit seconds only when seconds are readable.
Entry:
7.10
